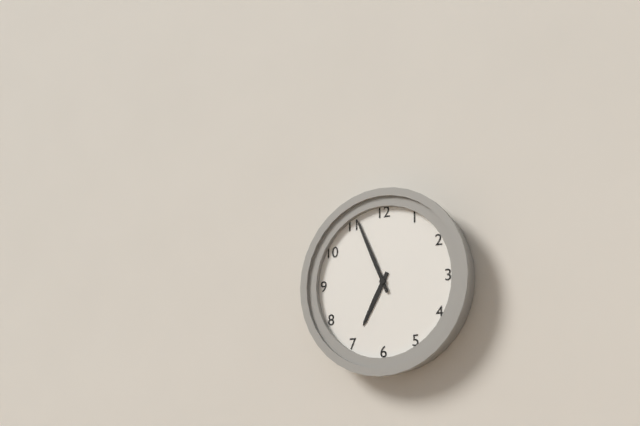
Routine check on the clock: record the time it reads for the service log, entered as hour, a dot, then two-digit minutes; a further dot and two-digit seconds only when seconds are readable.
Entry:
6.56
